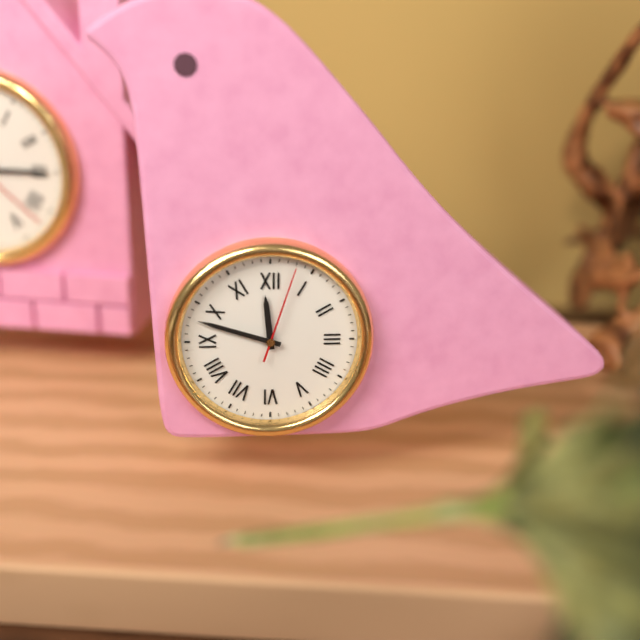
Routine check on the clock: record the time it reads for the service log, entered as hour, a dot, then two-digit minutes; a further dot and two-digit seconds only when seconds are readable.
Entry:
11.48.03
